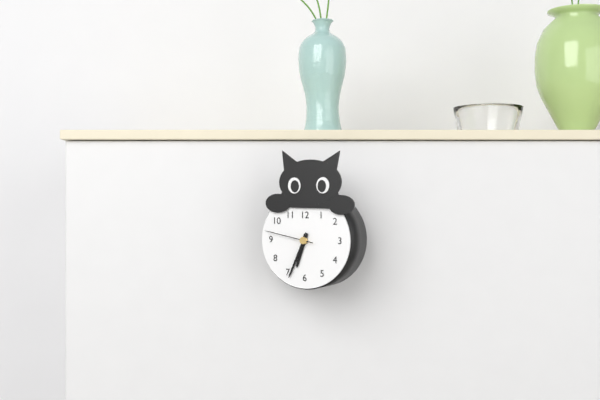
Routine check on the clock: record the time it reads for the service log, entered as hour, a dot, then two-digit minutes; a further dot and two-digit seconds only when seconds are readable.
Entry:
6.34.47
